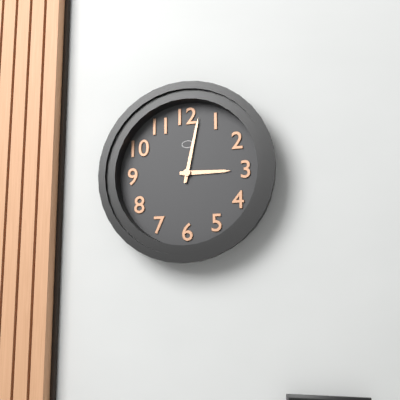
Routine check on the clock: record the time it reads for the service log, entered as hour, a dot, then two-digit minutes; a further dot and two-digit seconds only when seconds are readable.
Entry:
3.02
